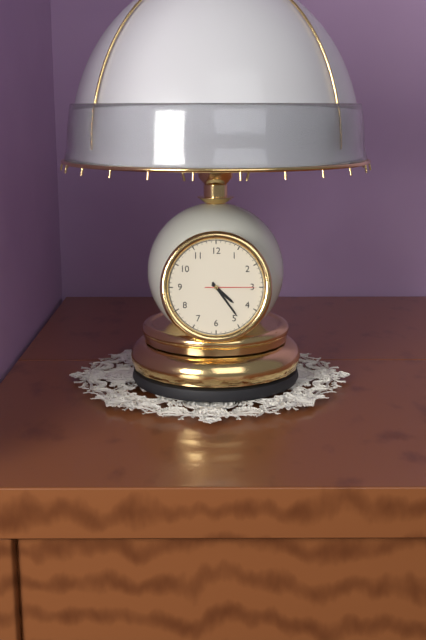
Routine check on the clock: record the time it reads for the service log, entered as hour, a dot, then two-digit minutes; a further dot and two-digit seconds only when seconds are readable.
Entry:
4.24.15
